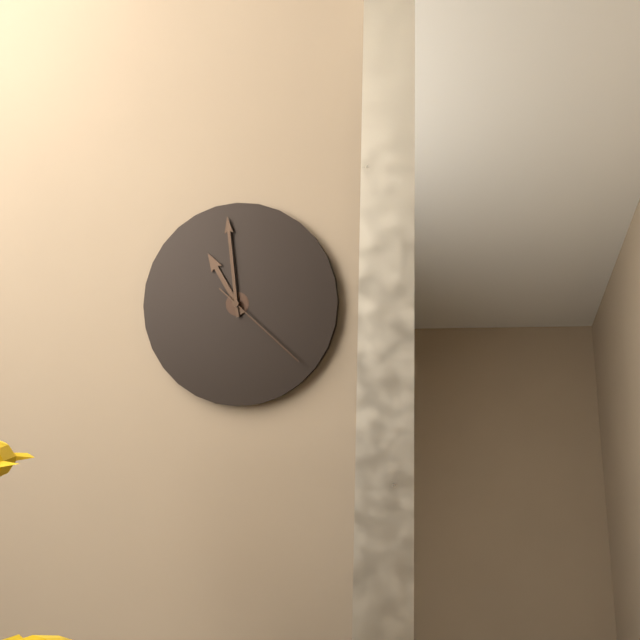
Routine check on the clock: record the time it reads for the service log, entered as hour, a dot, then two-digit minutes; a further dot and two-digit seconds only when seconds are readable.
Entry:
10.59.22
